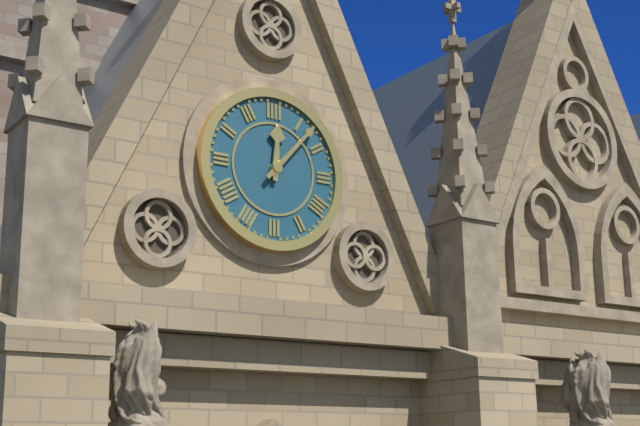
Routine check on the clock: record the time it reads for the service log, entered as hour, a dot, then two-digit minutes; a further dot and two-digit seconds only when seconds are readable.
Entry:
12.07
